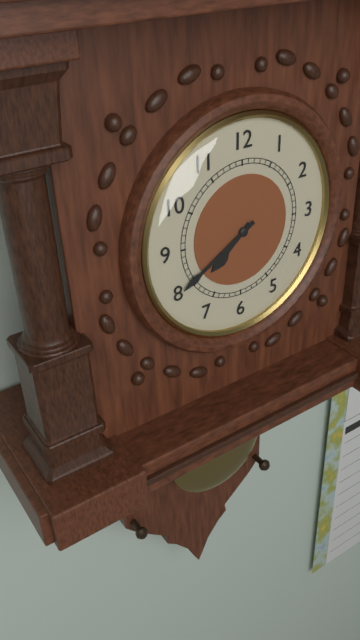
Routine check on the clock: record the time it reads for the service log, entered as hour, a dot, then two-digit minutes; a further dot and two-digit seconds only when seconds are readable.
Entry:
7.40
